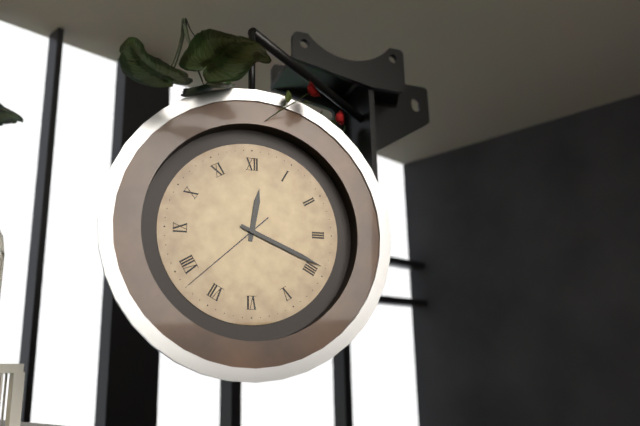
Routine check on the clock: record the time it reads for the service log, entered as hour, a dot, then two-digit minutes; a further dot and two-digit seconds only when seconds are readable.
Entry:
12.19.38
